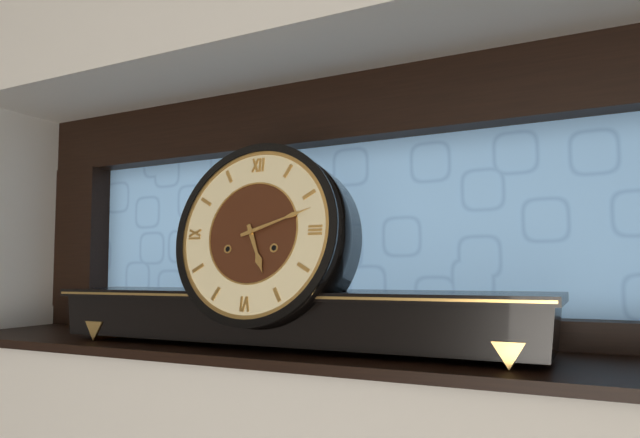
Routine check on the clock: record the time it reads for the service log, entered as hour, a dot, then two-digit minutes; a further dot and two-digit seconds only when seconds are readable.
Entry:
5.12
